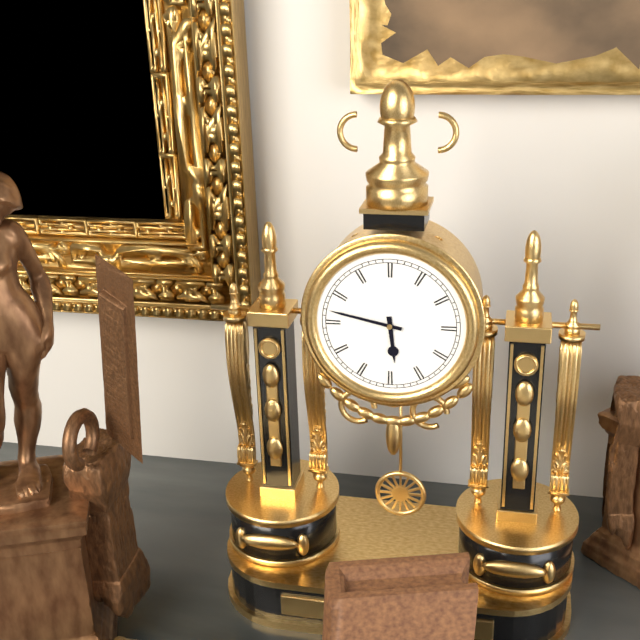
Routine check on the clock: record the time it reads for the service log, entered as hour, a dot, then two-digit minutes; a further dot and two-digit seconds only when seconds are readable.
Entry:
5.47
